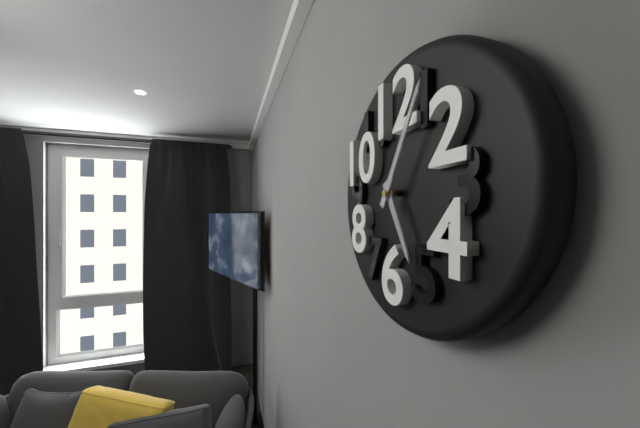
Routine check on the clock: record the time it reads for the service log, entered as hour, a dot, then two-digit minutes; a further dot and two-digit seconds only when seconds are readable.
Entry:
5.05
